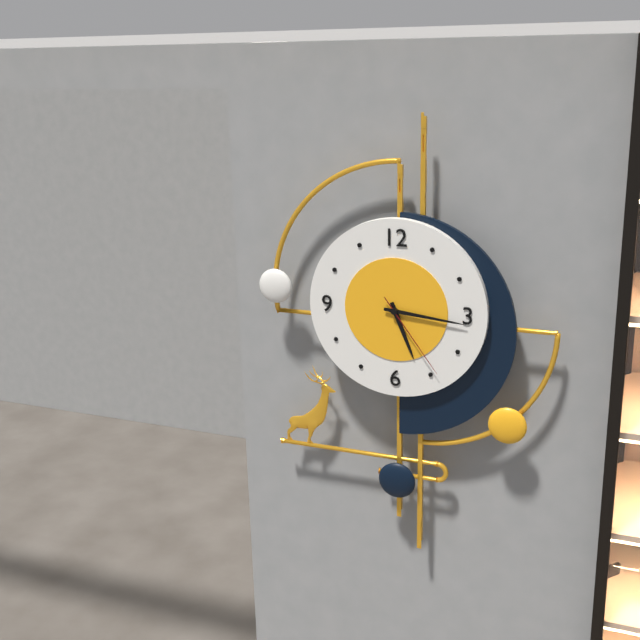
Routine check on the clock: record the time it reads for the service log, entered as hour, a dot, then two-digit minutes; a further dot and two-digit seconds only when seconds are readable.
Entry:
5.16.24
